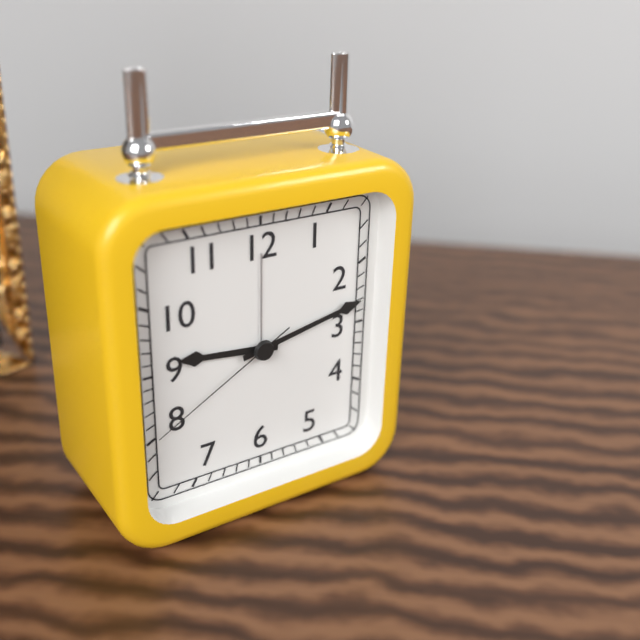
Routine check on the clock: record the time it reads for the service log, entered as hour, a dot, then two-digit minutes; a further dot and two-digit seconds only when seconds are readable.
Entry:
9.13.40
